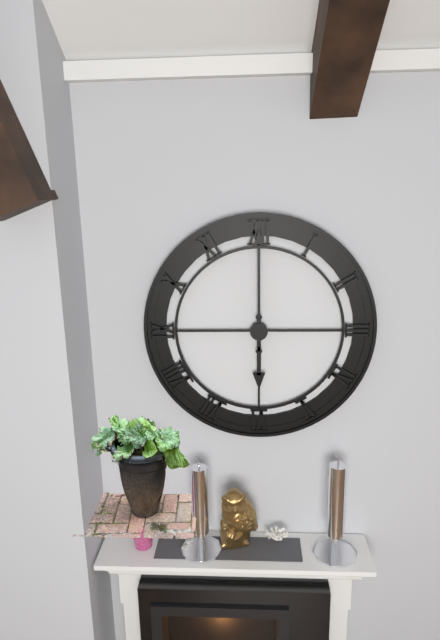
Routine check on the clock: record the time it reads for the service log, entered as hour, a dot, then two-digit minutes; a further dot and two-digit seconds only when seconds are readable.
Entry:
6.00
